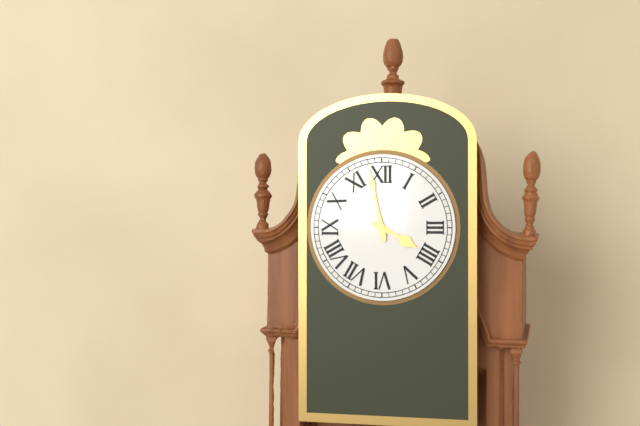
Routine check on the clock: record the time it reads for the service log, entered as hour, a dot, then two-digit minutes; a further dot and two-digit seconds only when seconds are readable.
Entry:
3.58
